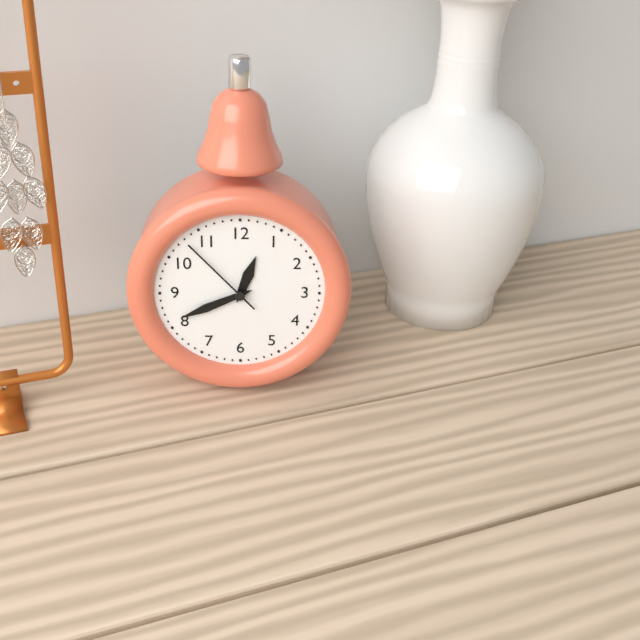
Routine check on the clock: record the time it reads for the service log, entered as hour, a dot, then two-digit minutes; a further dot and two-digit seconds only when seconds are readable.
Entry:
12.41.53
